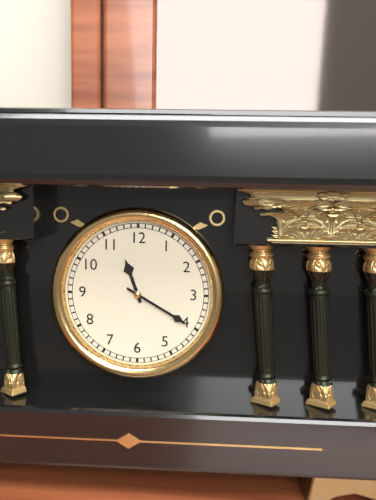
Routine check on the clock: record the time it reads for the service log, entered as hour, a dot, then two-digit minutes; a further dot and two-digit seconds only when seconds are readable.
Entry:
11.20
